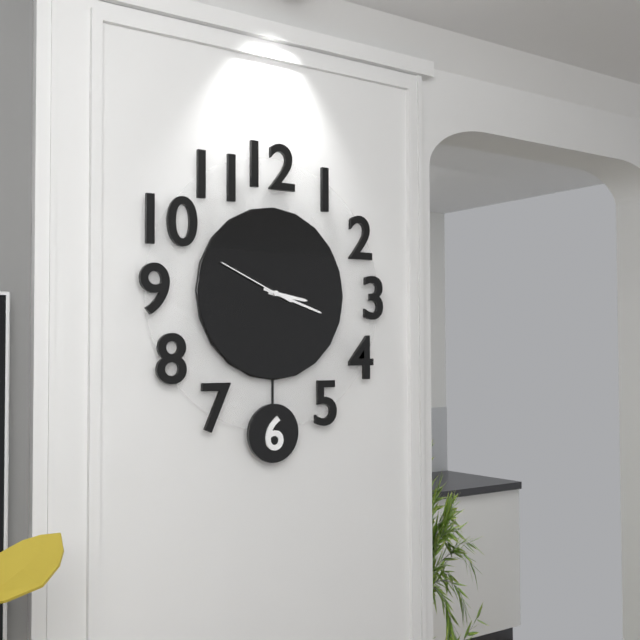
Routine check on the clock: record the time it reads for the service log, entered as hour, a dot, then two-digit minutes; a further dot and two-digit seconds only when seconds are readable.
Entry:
3.18.49
